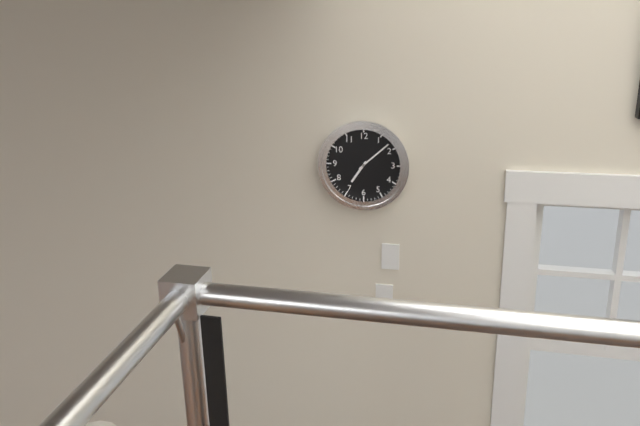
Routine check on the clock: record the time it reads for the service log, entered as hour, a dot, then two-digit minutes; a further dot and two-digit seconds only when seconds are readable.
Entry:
7.08
